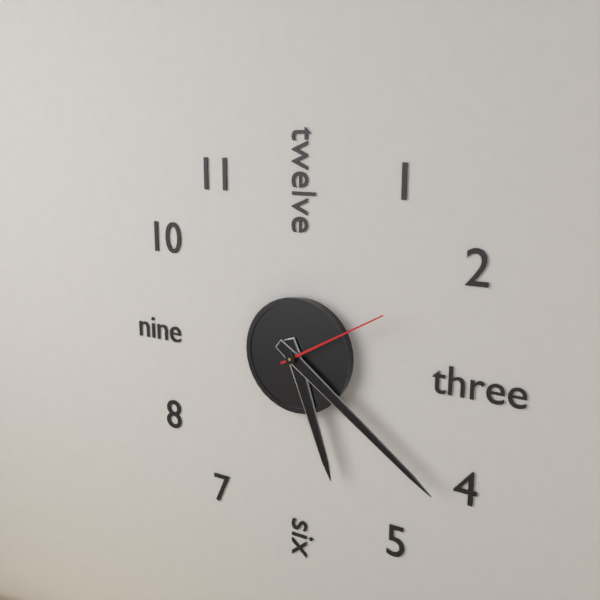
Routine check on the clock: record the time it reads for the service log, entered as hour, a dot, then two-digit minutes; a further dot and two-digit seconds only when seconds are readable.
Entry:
5.21.10
